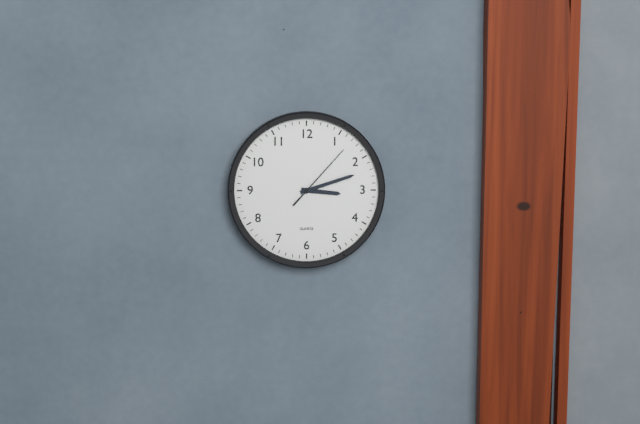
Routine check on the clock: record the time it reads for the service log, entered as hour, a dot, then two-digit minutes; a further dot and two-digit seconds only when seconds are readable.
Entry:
3.12.07
